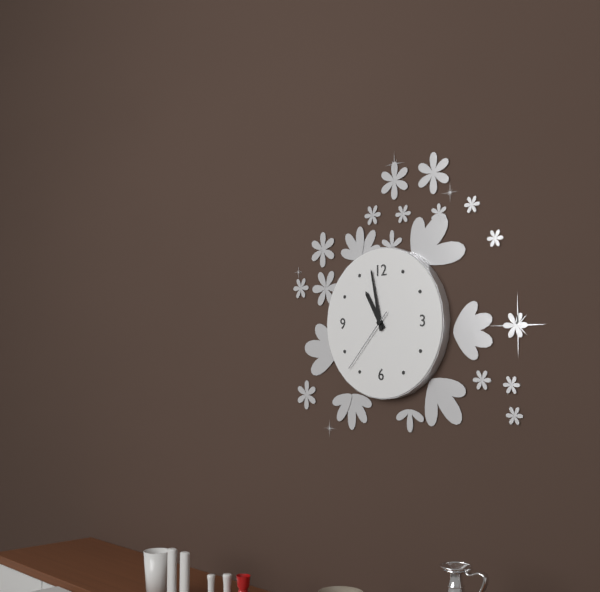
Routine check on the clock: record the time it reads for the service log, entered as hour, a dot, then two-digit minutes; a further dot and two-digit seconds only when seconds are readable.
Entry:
10.58.37
